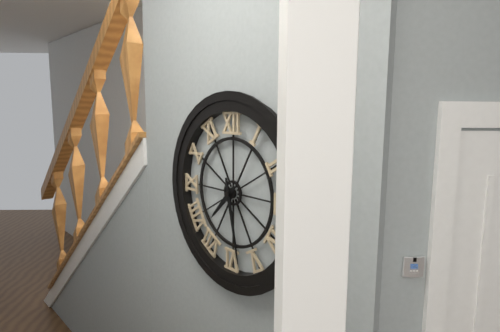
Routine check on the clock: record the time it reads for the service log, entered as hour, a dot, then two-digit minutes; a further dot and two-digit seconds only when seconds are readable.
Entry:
7.28
